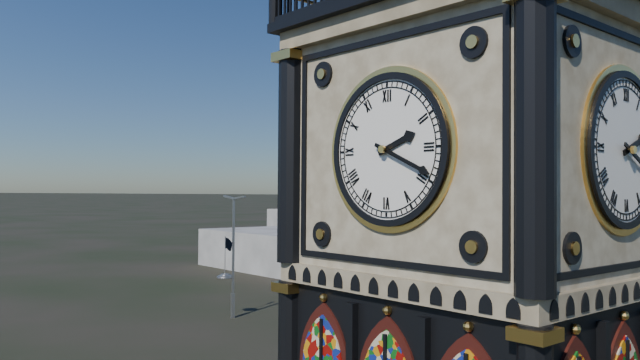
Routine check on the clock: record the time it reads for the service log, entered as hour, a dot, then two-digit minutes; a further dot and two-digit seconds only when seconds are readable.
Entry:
2.19
